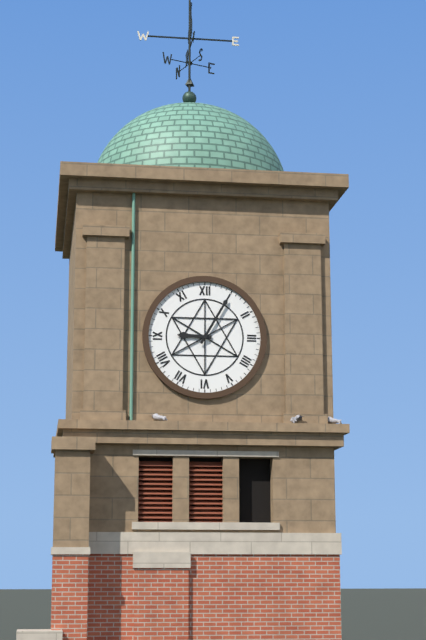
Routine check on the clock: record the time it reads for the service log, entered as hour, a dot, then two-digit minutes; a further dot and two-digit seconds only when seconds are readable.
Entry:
9.05
